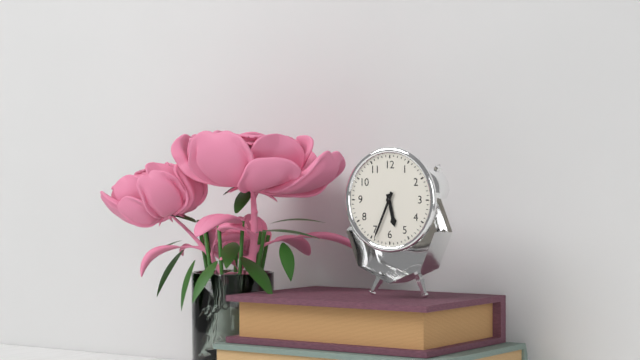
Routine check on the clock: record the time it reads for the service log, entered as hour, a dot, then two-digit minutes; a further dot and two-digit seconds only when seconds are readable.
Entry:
5.34
